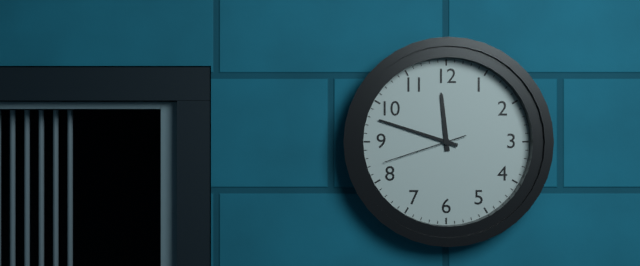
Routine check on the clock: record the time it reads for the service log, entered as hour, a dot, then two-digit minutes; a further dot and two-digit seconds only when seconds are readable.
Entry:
11.48.42
